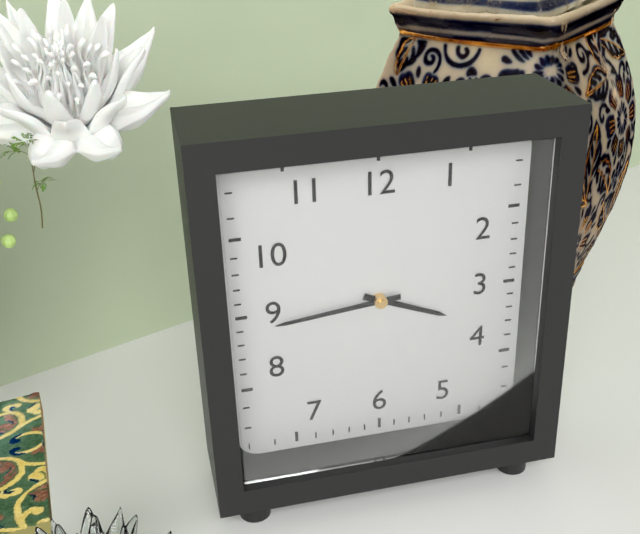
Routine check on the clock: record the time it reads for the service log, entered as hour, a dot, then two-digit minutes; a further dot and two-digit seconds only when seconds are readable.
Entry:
3.44
